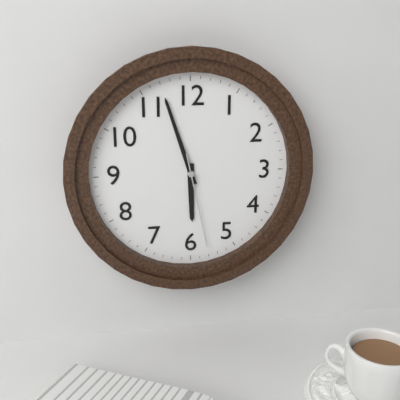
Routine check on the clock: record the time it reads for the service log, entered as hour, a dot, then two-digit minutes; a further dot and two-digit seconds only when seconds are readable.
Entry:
5.57.28
